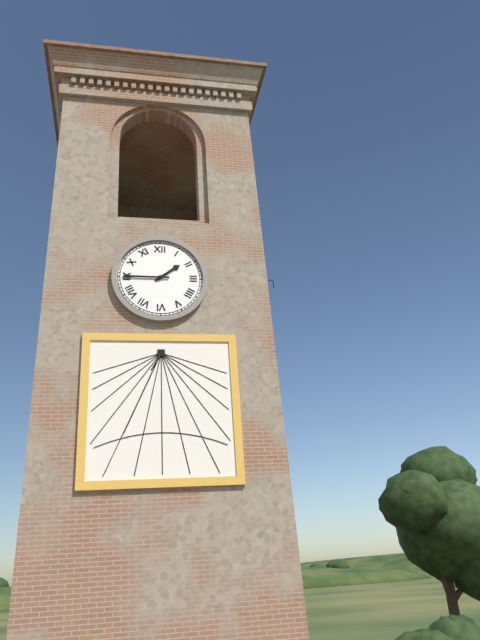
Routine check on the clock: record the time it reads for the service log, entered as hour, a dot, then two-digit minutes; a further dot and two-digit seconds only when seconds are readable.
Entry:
1.45
